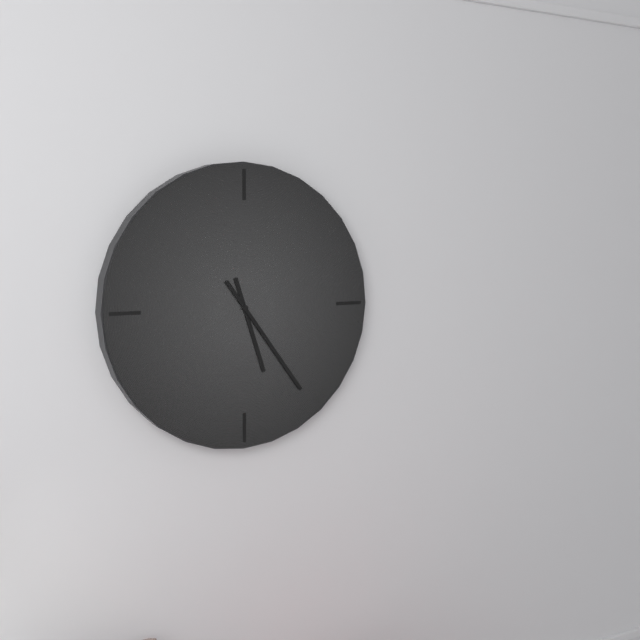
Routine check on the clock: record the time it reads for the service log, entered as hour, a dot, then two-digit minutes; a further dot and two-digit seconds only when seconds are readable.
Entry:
5.24
